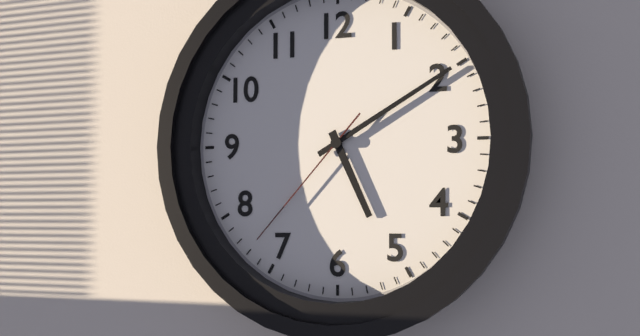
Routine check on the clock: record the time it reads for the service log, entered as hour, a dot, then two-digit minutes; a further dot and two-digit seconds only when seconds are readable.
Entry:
5.10.37
